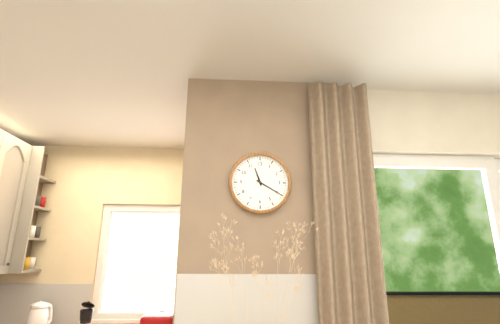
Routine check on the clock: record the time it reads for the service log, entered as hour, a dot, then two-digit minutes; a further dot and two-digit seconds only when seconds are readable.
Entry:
11.20
